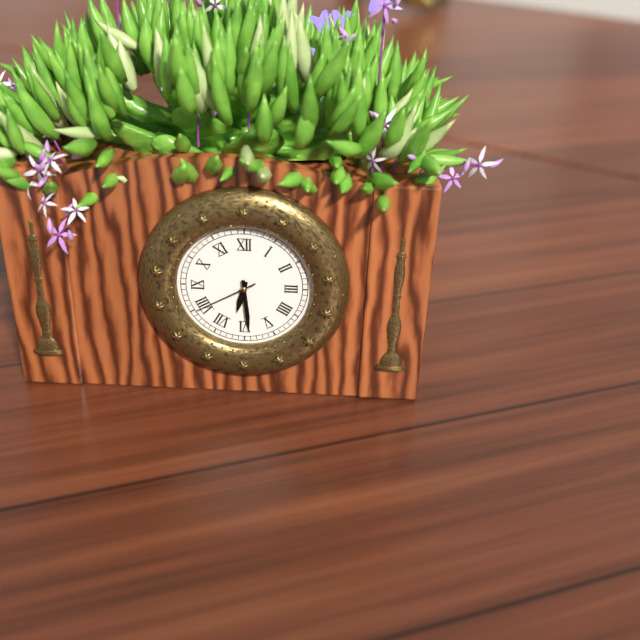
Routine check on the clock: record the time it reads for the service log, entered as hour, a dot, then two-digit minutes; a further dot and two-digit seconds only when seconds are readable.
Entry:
6.29.40
